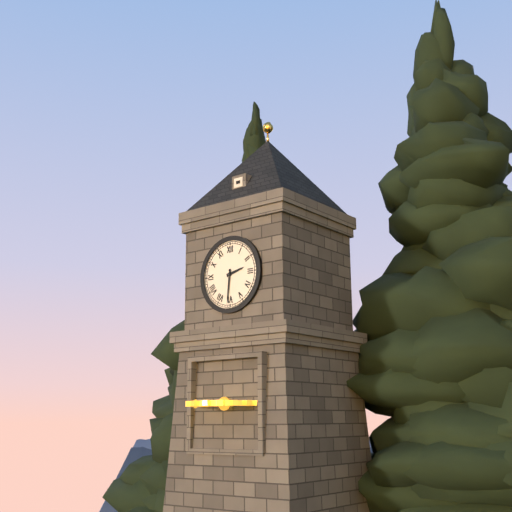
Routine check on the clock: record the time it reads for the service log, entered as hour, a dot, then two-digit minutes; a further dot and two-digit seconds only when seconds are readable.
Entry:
2.31
